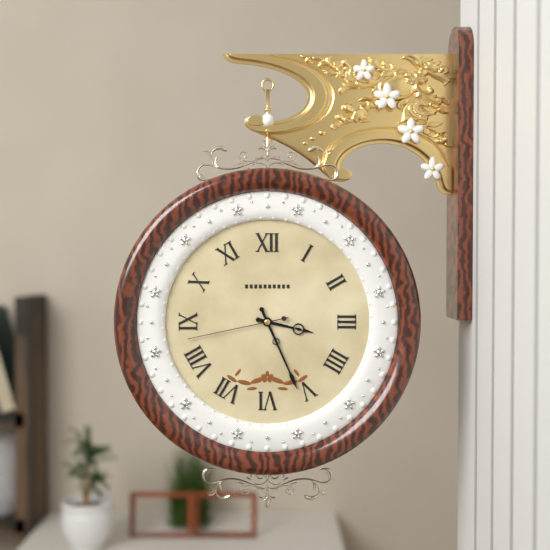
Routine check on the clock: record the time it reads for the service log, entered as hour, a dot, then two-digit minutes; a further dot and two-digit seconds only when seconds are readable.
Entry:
3.26.43
